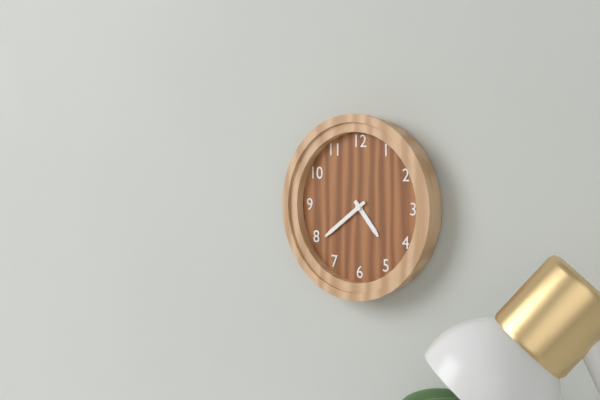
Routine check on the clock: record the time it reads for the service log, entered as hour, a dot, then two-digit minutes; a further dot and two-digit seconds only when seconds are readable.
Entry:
4.39
